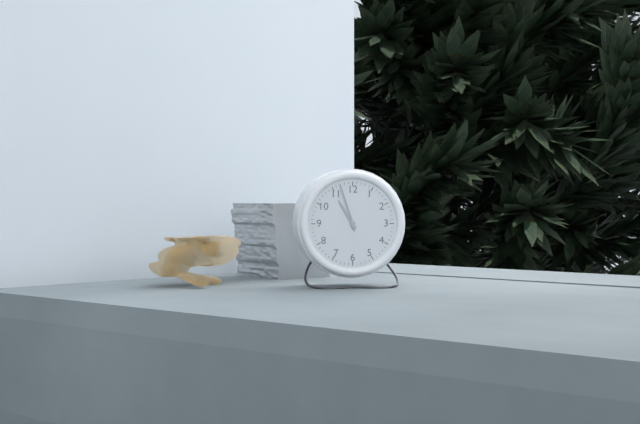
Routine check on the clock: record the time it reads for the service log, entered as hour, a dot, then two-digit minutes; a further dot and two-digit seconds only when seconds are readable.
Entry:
10.57
